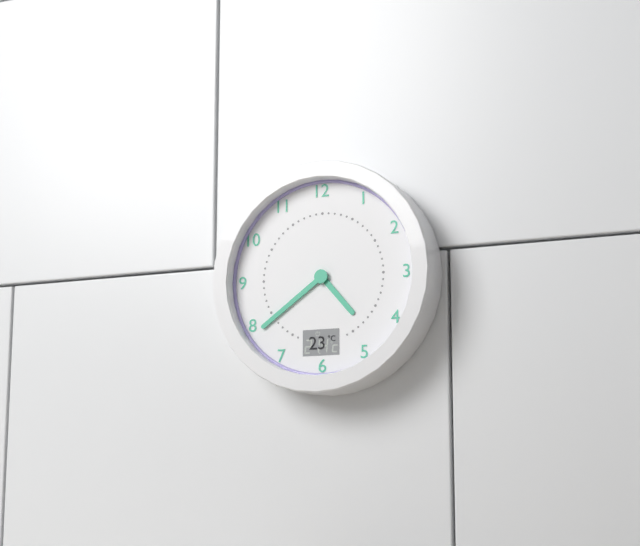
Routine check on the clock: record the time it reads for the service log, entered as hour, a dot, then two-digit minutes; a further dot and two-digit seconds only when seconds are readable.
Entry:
4.39
